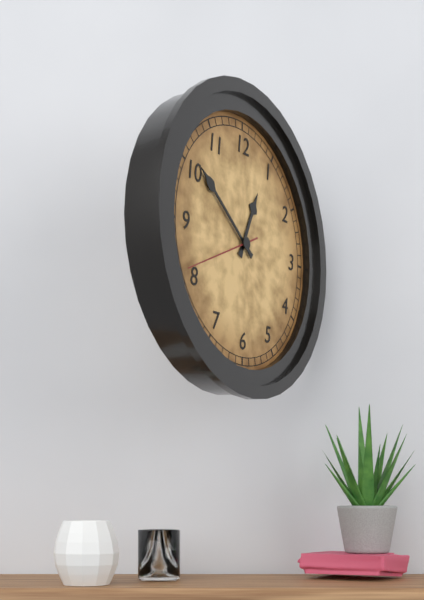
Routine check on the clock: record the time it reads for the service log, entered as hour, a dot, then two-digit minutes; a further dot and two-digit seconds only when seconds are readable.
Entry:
12.51.41
